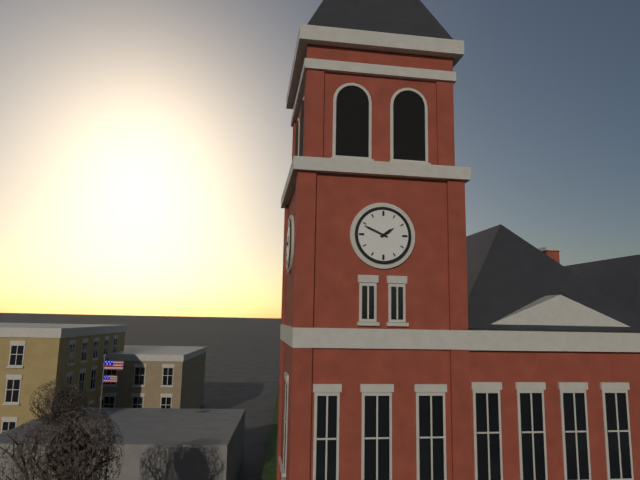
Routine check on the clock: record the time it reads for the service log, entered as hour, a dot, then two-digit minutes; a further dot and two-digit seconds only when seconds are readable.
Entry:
1.49
